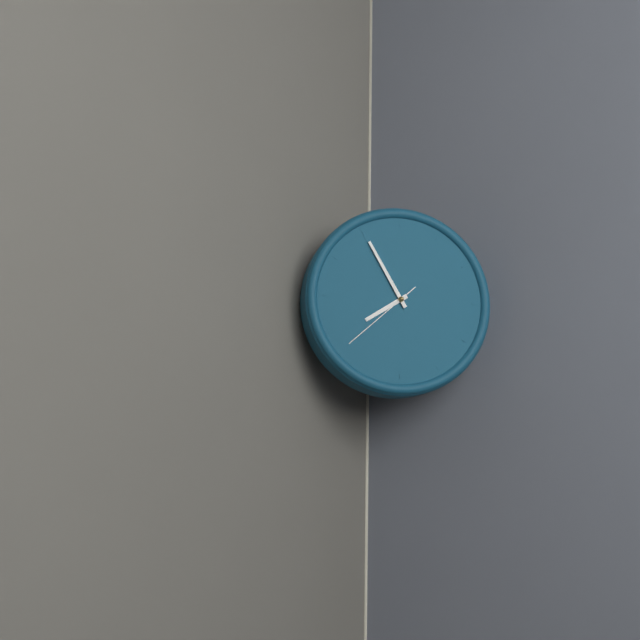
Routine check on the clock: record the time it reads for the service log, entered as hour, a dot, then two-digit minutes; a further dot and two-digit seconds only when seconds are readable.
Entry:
7.55.38
